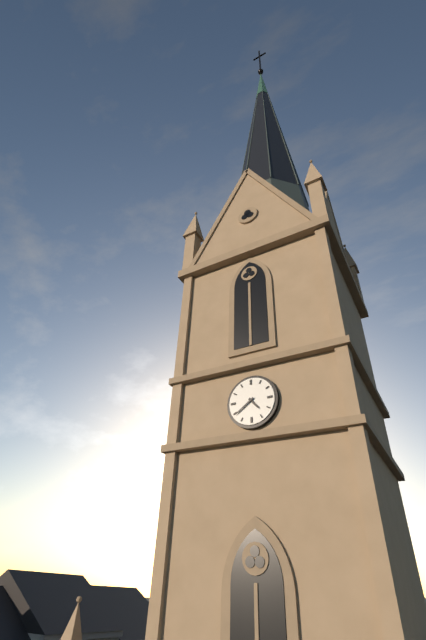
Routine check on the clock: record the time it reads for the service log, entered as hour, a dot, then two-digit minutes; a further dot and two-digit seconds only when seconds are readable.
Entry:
4.39
